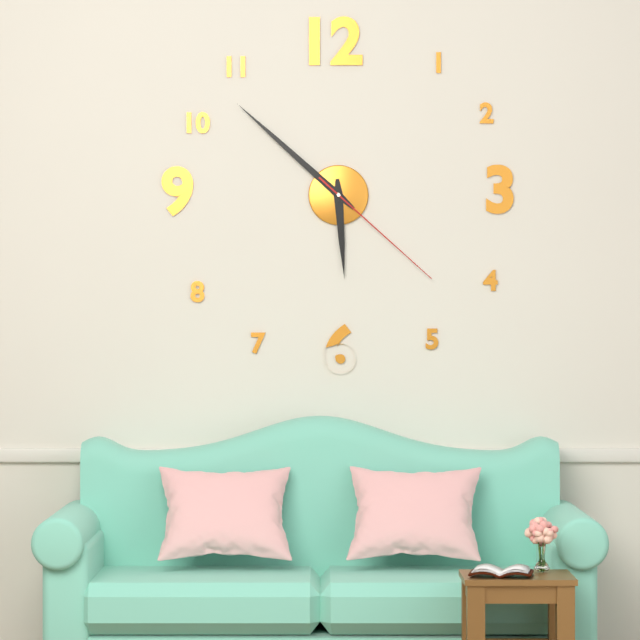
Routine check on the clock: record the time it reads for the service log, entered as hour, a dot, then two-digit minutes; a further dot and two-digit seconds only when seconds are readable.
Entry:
5.52.22
